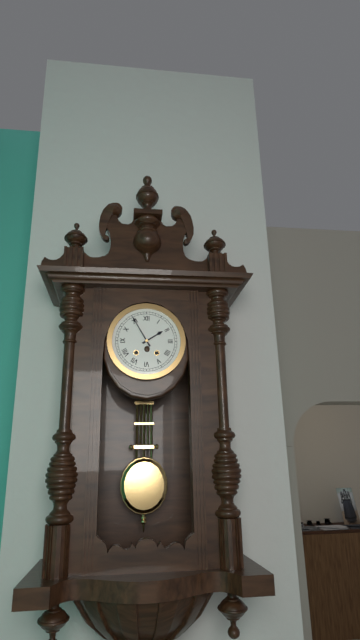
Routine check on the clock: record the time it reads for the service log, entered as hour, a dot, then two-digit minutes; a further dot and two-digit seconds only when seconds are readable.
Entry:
1.55
